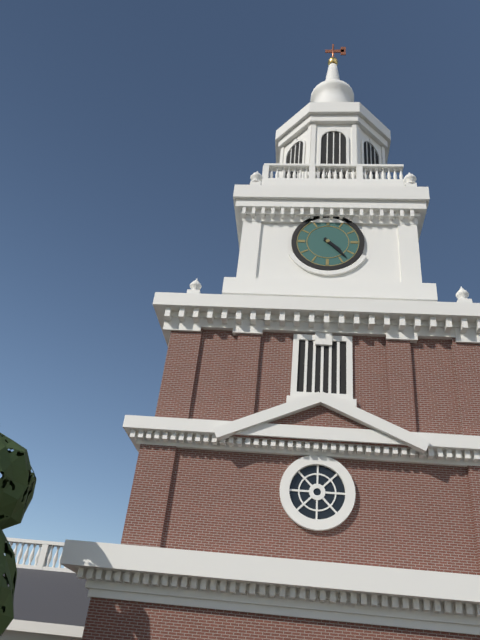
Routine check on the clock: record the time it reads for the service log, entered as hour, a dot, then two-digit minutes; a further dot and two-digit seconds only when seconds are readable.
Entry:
4.23
